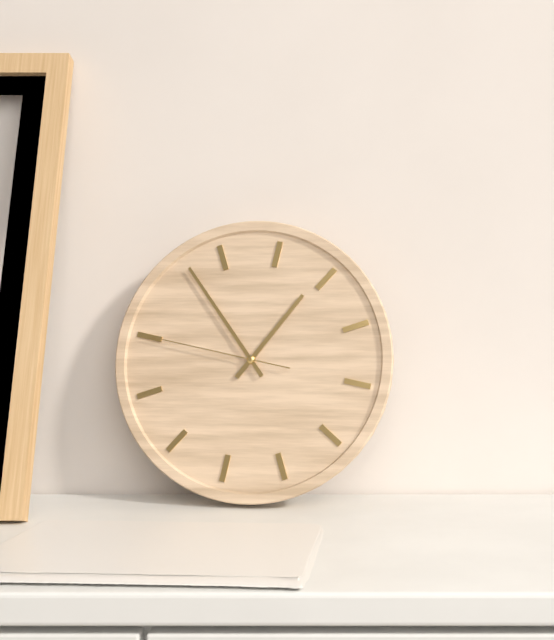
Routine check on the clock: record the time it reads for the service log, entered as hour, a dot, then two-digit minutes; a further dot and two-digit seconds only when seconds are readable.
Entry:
12.52.45
